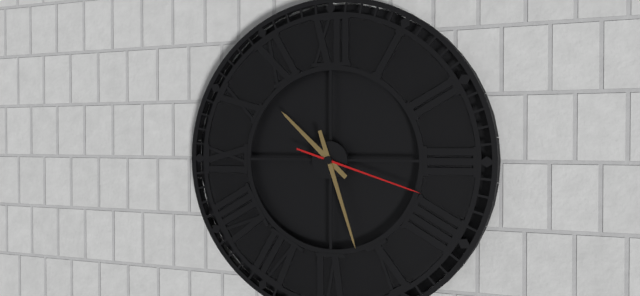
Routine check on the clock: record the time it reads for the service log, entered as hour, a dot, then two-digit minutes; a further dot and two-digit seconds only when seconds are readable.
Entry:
10.27.18
